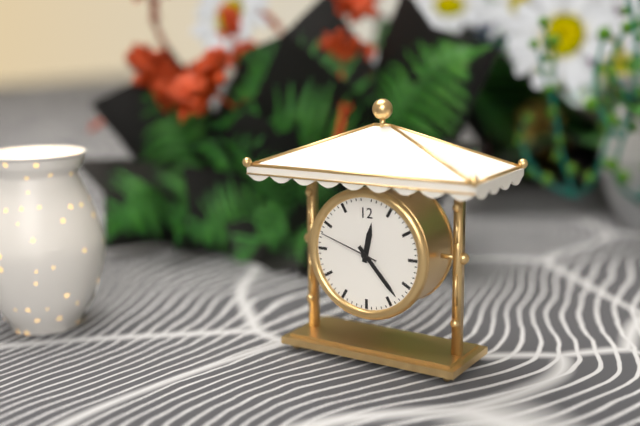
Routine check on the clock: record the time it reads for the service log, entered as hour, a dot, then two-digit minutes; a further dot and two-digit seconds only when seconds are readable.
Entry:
12.23.48
